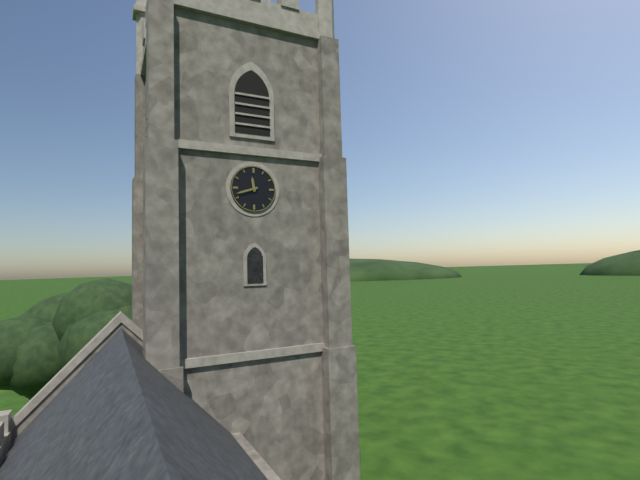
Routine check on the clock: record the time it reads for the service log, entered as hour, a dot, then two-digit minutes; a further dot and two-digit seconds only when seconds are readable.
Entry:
11.42
